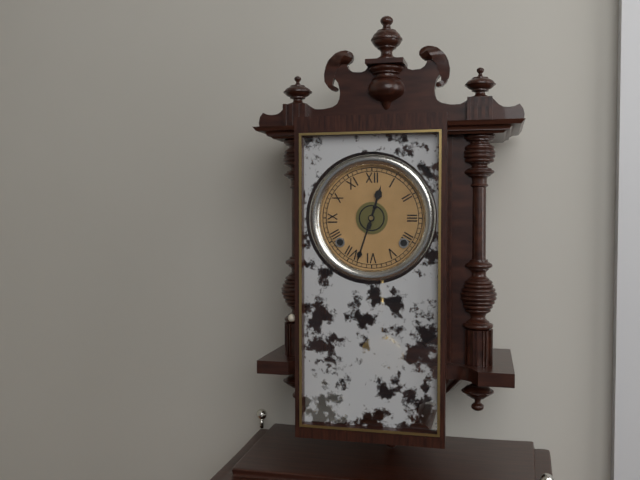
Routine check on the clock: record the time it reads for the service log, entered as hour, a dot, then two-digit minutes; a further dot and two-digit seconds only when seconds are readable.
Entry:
12.33
